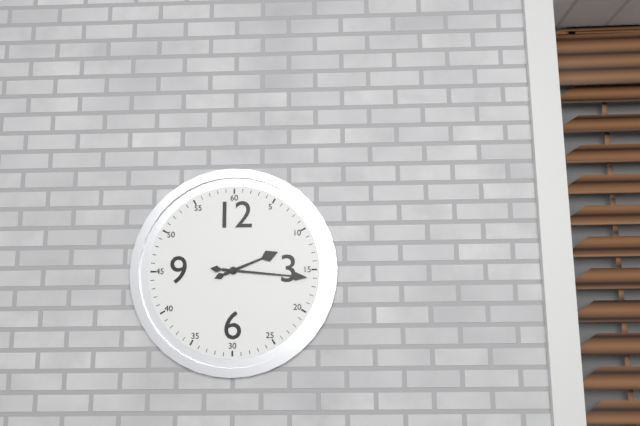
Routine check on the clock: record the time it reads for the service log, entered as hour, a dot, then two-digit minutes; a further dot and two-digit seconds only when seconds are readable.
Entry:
2.16
